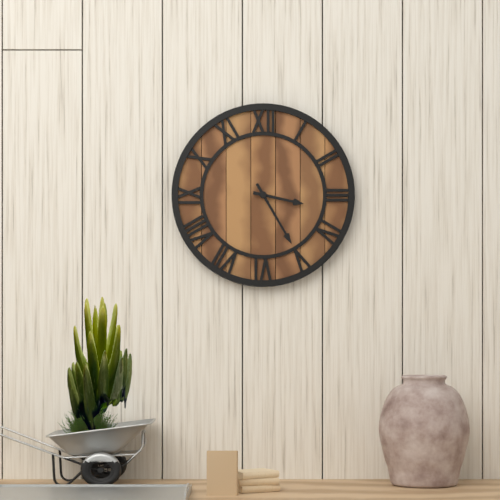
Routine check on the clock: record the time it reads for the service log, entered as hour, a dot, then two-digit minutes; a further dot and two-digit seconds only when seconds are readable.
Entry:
3.25
